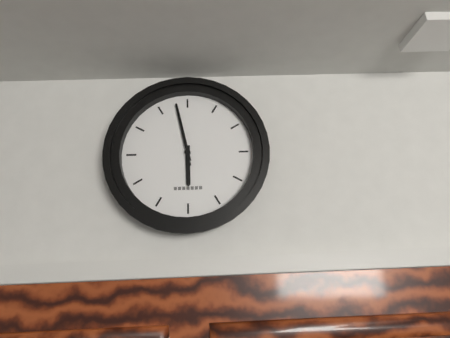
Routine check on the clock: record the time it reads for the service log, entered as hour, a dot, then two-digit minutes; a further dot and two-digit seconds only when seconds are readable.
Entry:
5.58.58
